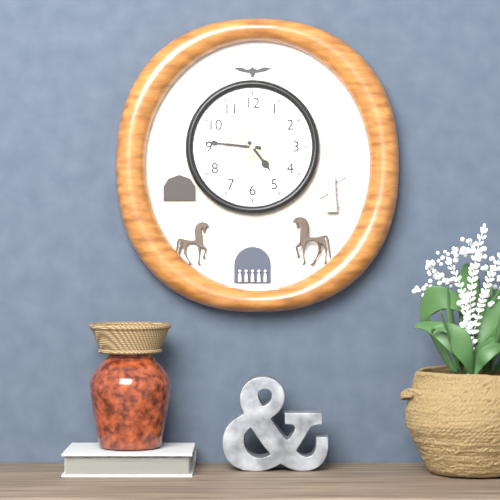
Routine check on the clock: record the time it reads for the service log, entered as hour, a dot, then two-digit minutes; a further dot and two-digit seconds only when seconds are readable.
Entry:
4.46
